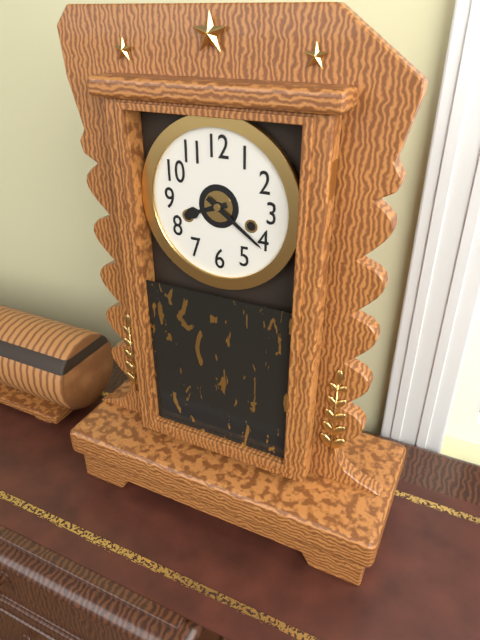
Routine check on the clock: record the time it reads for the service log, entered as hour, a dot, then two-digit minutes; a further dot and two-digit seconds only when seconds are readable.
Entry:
8.21
